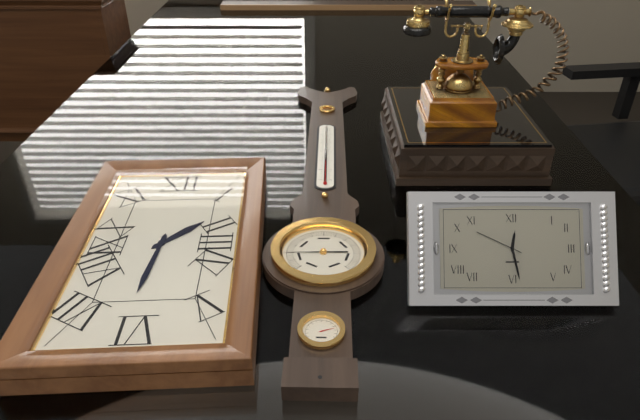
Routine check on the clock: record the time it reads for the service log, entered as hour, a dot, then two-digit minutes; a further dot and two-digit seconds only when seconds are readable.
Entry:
1.31
